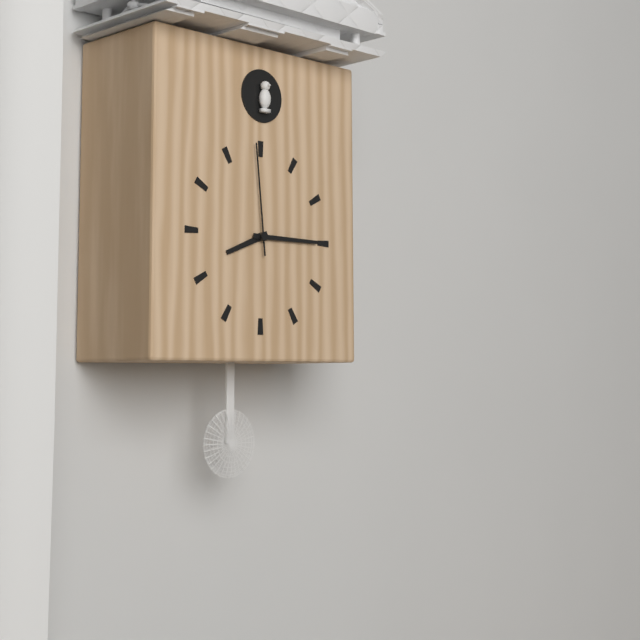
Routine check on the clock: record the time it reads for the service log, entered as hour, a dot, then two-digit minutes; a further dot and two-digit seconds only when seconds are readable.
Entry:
8.15.59
